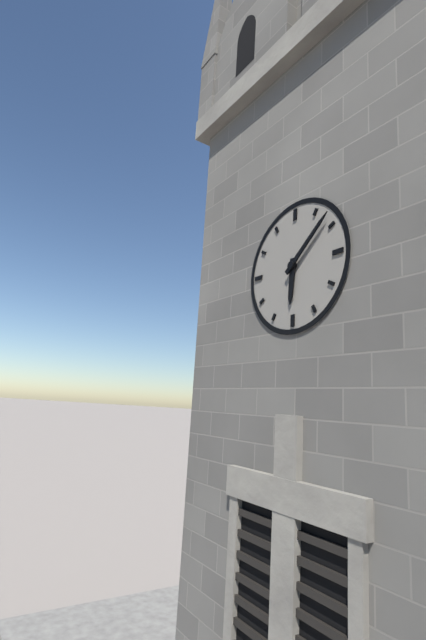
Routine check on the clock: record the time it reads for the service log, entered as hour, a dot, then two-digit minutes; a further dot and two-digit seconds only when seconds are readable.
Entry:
6.08
